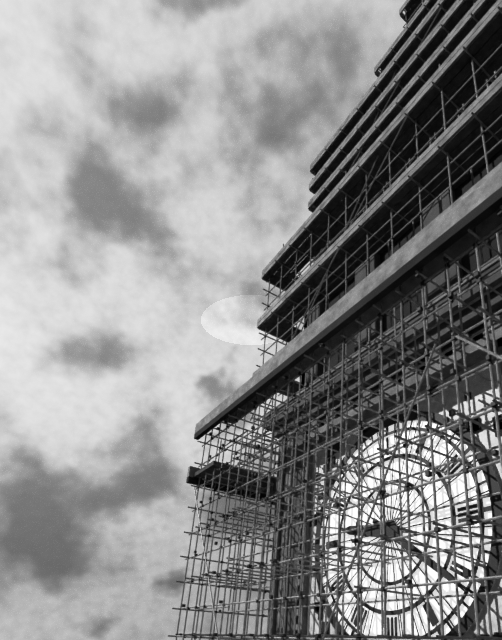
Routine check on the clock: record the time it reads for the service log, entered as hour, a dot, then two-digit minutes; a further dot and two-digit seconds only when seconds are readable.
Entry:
9.21
